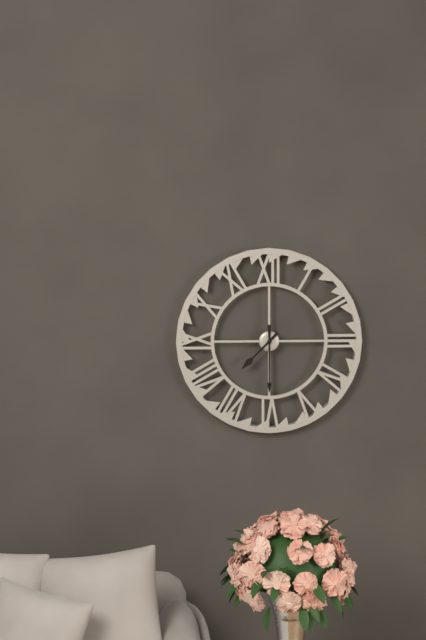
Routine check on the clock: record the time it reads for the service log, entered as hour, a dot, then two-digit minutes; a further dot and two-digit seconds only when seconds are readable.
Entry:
7.30
